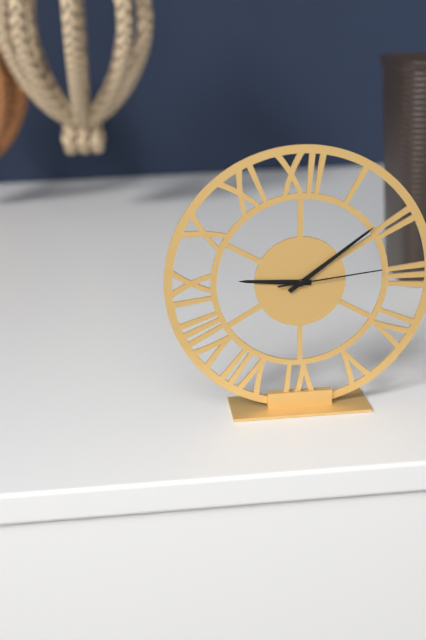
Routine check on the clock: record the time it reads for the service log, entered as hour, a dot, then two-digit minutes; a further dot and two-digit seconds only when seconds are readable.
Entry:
9.09.14
